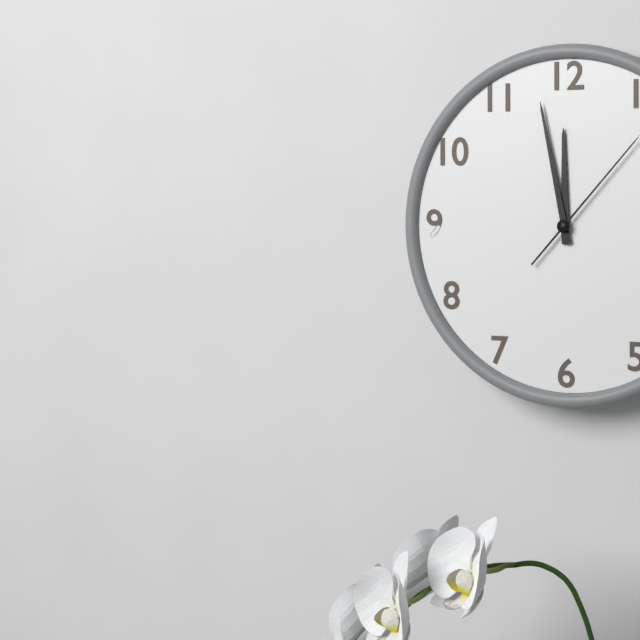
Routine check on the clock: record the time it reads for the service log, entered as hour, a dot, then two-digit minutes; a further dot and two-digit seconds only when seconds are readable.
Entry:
11.58.07
